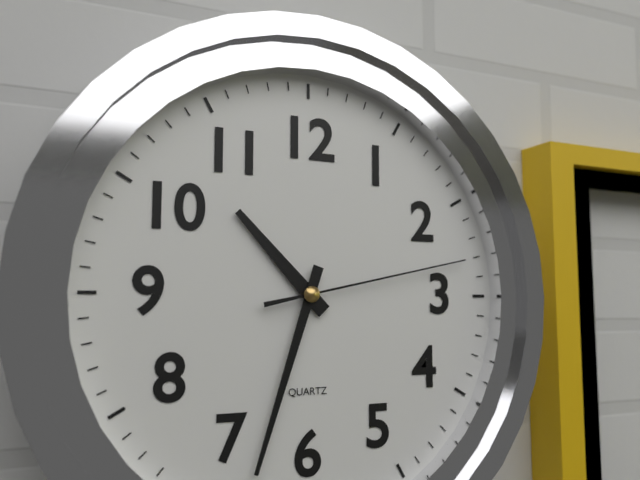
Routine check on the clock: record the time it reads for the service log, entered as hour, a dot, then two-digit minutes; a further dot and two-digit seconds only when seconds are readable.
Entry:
10.33.13
